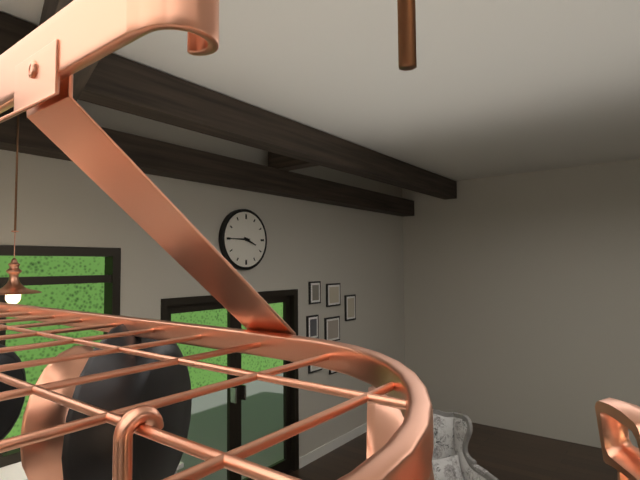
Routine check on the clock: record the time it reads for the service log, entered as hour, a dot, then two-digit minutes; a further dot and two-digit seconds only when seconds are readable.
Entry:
3.45
